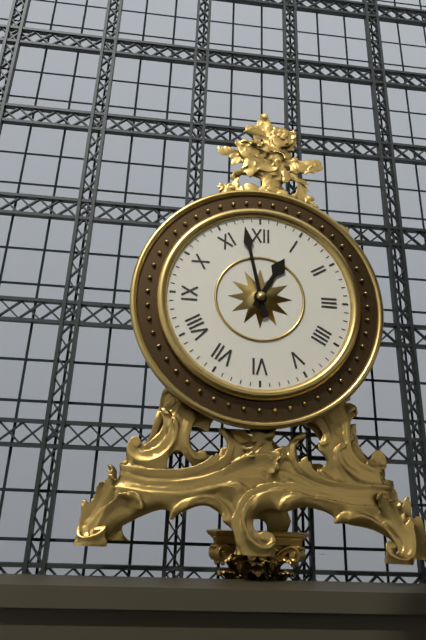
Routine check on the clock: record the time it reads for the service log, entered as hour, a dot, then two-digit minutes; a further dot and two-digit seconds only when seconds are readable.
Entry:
12.58
